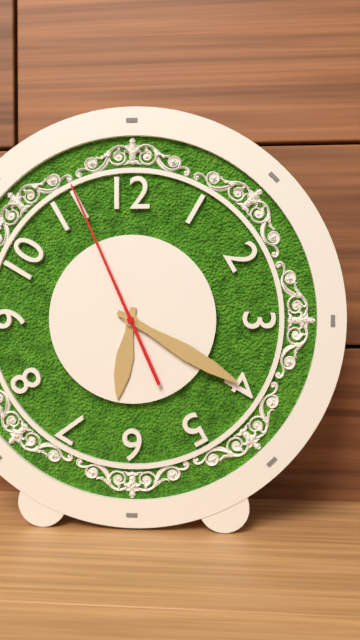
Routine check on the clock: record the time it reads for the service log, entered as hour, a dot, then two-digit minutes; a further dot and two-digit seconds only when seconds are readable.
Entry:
6.20.56
